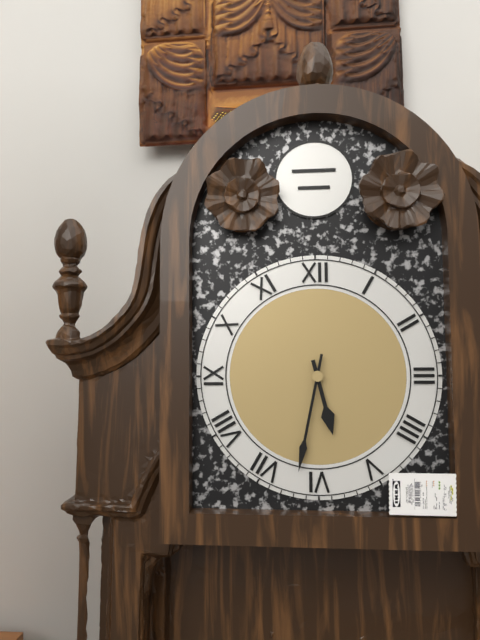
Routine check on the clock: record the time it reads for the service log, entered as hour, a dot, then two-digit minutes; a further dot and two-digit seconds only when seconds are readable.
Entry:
5.32
